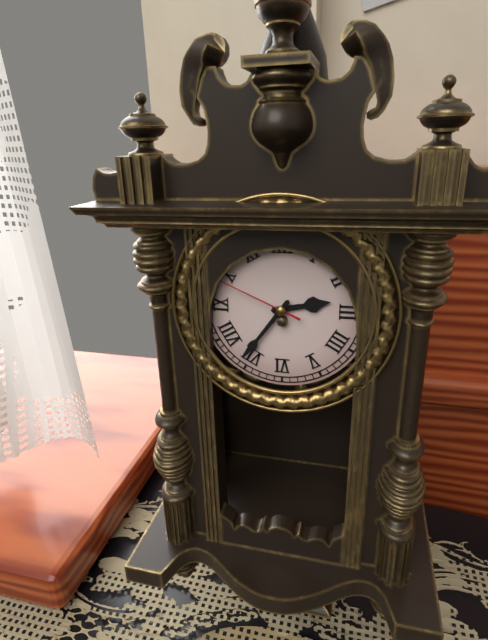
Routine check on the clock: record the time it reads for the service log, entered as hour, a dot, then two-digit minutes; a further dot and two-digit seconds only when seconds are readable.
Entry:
2.36.49
